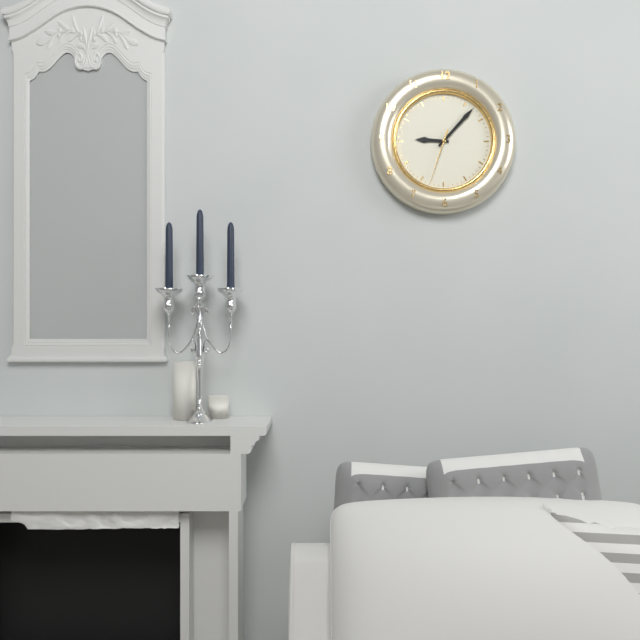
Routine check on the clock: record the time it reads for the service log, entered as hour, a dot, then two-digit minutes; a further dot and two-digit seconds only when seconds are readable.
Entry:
9.07.33
